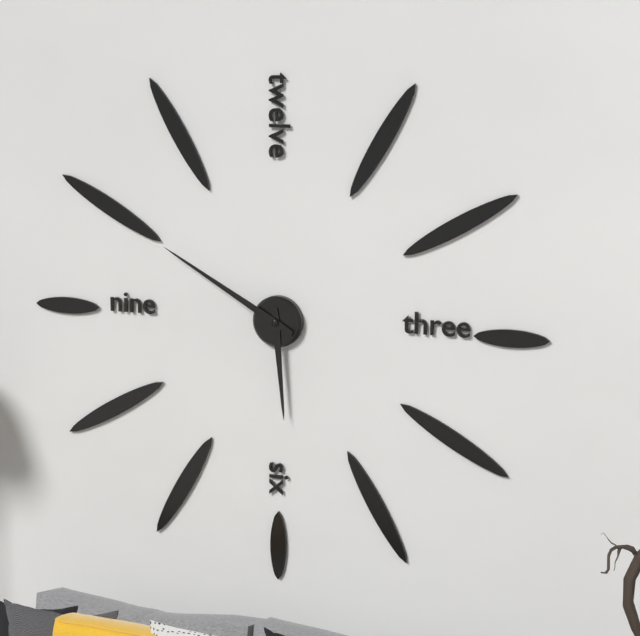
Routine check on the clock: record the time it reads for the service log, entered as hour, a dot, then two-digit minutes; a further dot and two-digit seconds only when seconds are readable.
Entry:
5.50
